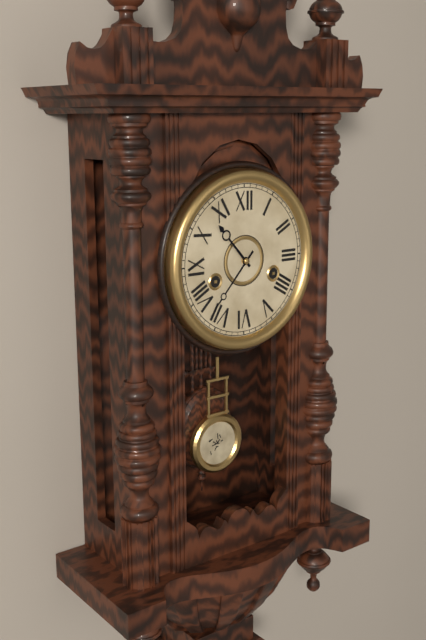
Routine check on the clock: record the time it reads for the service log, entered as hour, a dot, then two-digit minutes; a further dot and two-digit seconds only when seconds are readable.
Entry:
10.37
